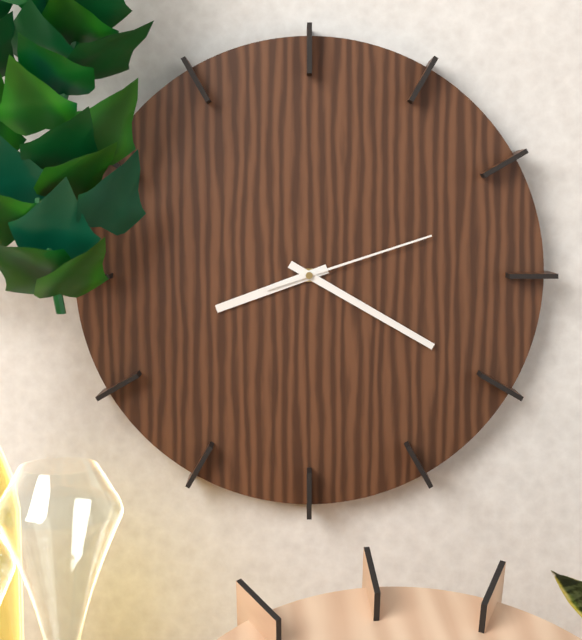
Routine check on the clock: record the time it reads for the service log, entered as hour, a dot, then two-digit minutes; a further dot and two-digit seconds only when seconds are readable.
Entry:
8.20.12
